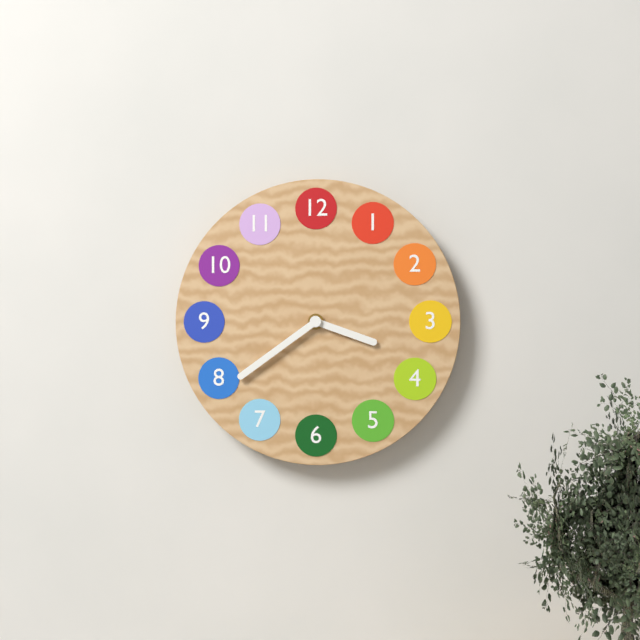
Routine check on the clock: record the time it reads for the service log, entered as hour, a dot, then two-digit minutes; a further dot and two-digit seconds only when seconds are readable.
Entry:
3.39
